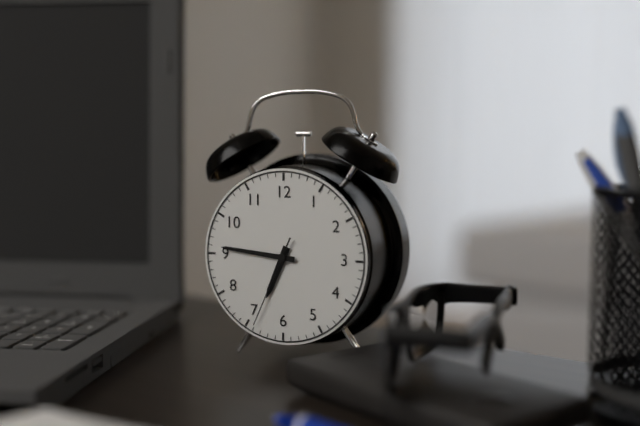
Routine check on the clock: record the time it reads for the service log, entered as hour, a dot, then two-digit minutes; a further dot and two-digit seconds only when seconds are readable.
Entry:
6.46.34
